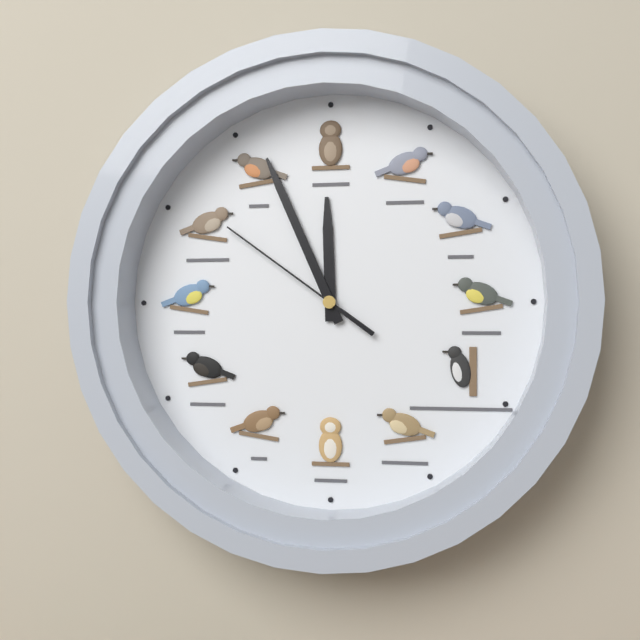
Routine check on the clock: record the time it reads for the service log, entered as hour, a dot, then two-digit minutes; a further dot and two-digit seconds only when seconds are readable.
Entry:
11.56.51
